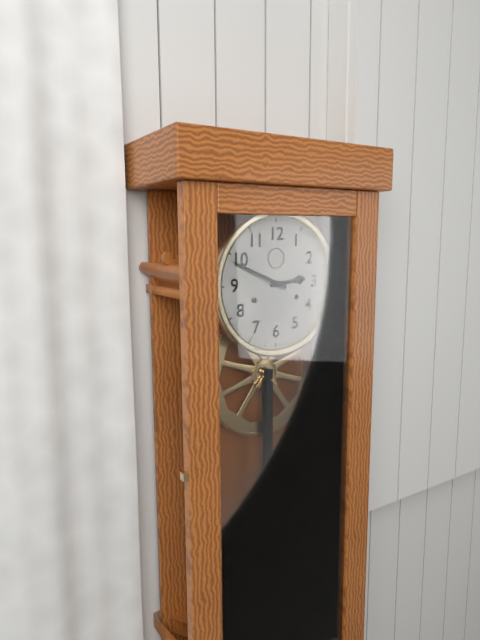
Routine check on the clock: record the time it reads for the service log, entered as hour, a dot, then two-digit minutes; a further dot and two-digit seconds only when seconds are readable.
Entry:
2.49
